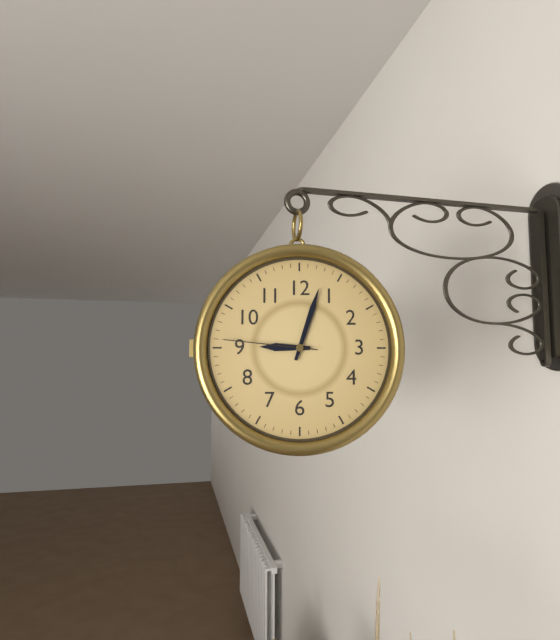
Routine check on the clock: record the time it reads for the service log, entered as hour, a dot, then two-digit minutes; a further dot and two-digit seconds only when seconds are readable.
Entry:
9.03.46
